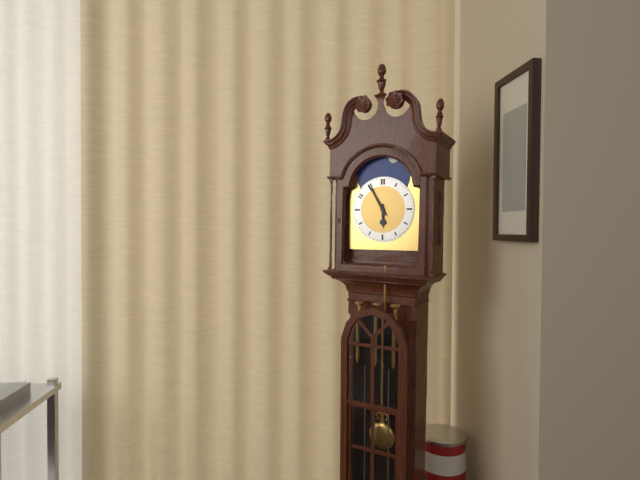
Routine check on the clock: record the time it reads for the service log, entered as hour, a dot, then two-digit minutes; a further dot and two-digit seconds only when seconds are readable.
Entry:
5.55
